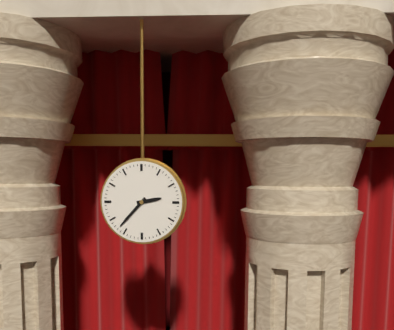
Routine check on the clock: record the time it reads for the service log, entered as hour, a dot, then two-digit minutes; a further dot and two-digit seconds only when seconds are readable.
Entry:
2.37
